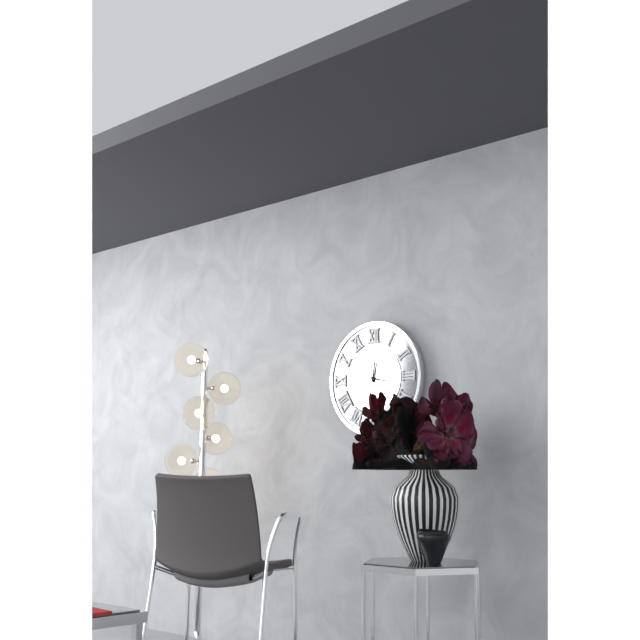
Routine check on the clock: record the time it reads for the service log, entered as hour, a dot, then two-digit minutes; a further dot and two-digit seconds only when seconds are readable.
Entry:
12.17
